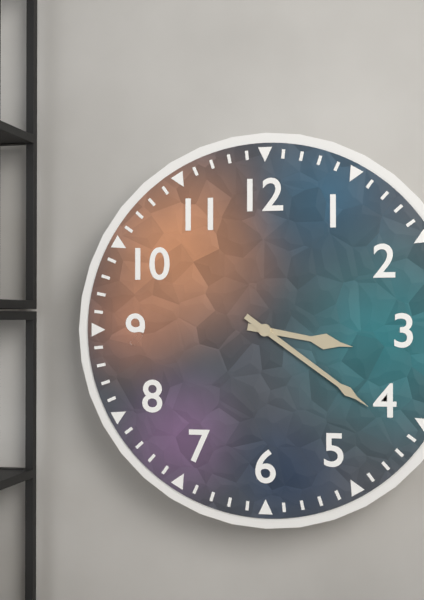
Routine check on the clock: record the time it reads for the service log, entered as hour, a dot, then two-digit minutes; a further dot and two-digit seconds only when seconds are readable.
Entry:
3.21
